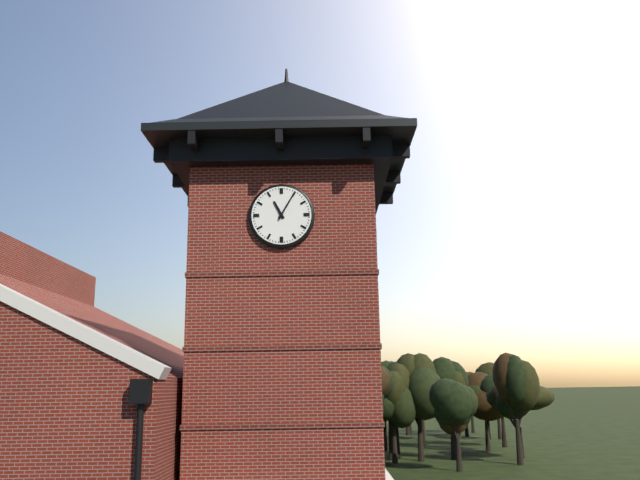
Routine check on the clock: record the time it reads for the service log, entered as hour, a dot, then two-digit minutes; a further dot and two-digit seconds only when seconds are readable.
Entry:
11.05
